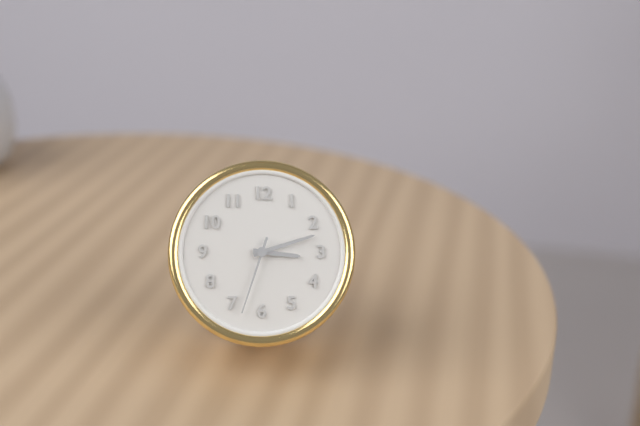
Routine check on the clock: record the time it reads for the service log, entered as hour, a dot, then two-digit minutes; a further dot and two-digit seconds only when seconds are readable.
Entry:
3.12.33
